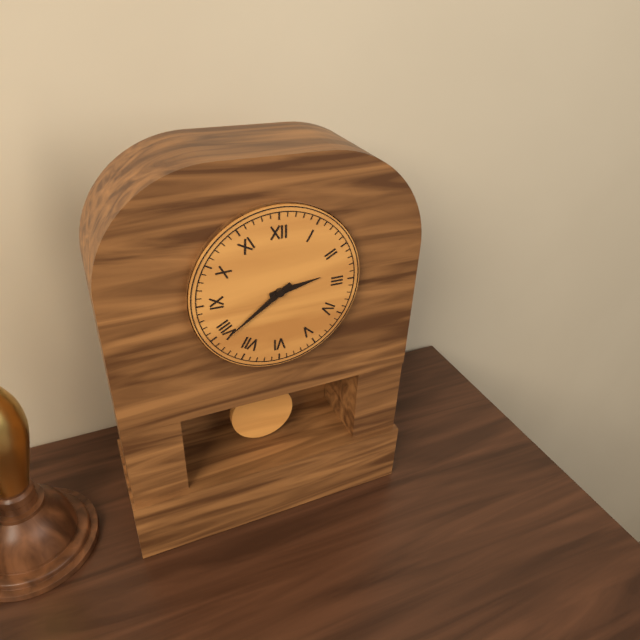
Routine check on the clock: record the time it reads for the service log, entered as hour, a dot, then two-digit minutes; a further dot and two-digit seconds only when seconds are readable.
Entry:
2.39
